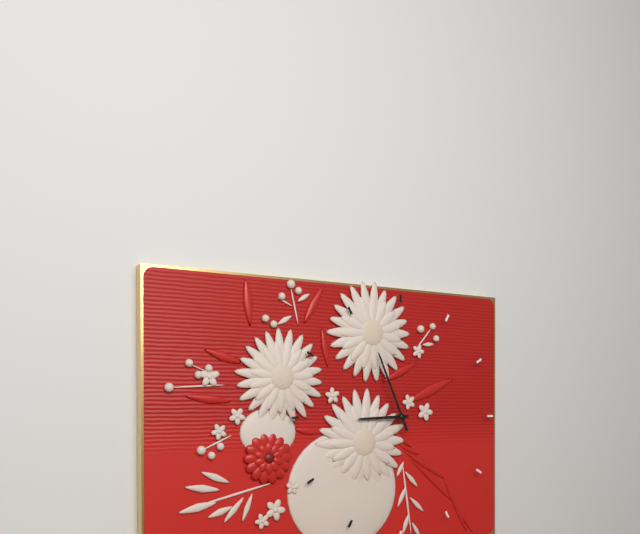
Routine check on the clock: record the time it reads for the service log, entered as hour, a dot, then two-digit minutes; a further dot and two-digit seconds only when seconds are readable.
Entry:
8.56
